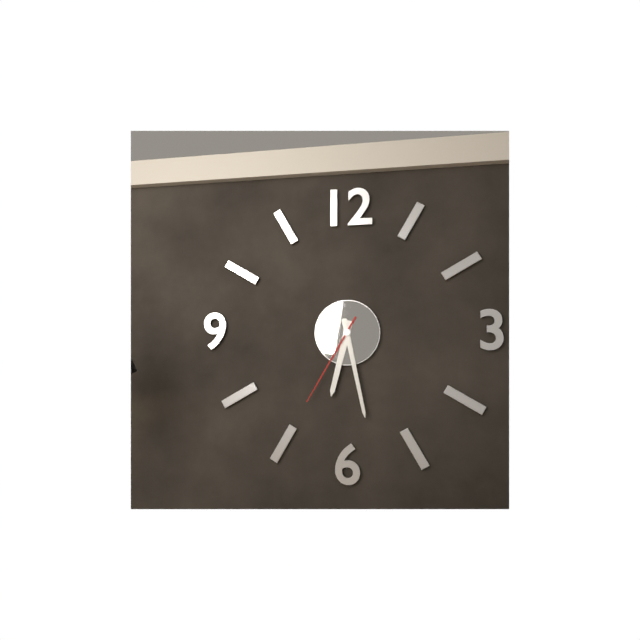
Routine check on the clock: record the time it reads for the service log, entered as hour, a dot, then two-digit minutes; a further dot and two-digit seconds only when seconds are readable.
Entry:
6.28.35
